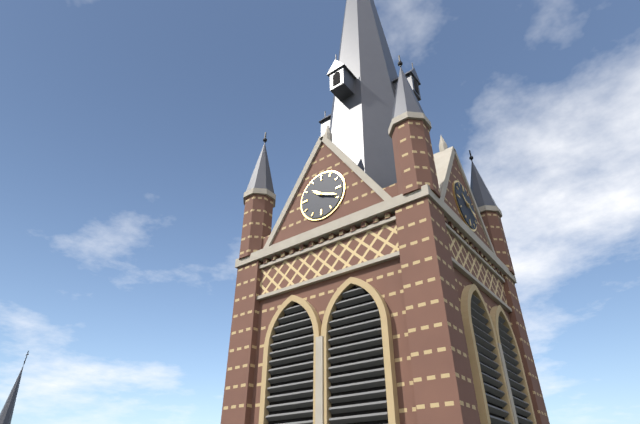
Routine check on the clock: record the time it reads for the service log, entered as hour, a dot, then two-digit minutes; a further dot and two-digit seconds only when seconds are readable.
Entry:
10.19
